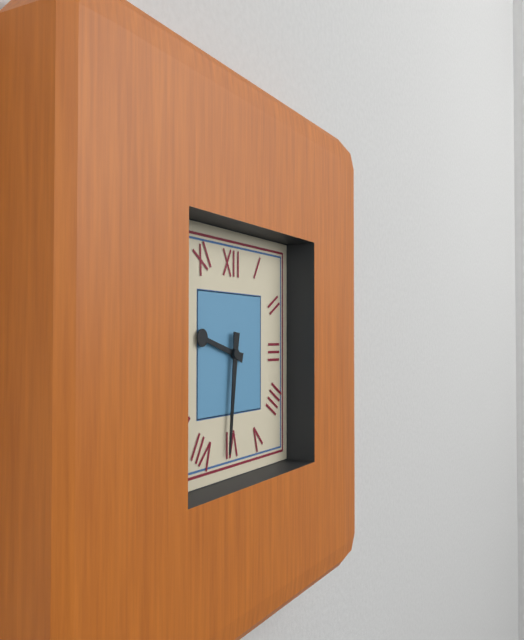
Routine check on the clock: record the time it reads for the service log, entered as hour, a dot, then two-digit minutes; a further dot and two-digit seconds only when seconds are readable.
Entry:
9.31
